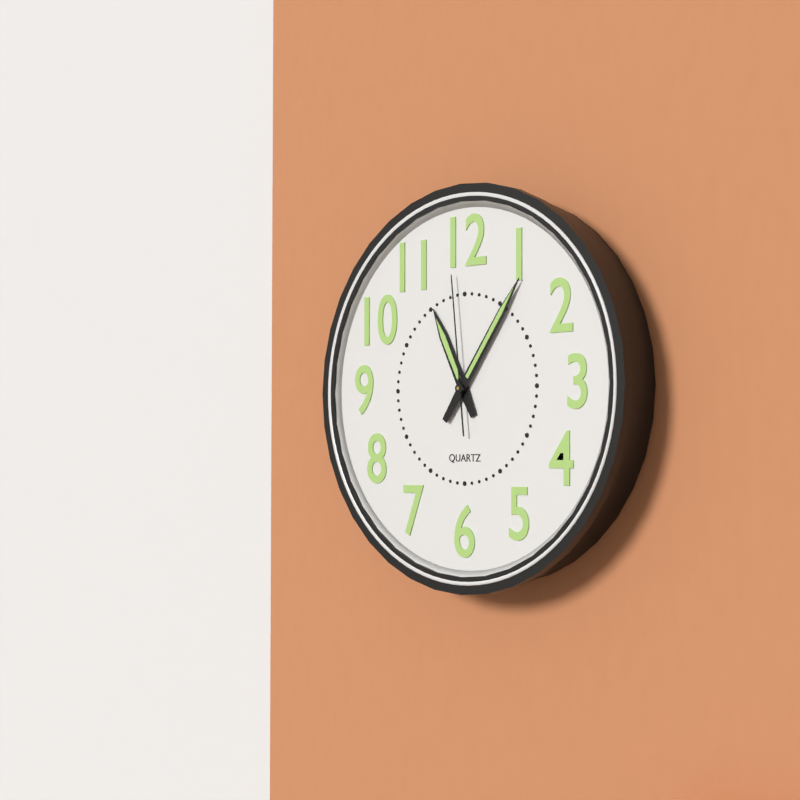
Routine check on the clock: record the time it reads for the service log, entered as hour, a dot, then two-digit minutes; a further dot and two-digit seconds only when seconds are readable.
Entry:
11.06.59
